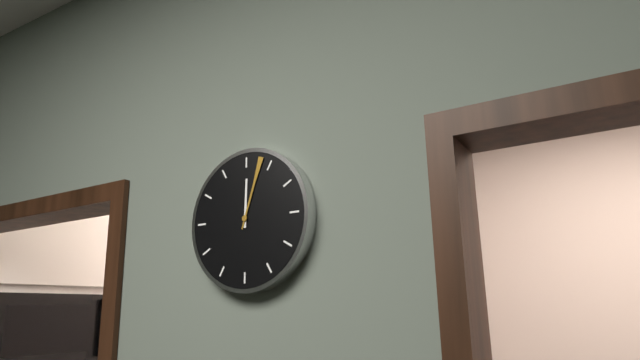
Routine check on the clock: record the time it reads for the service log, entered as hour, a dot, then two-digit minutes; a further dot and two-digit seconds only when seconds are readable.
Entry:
12.03
